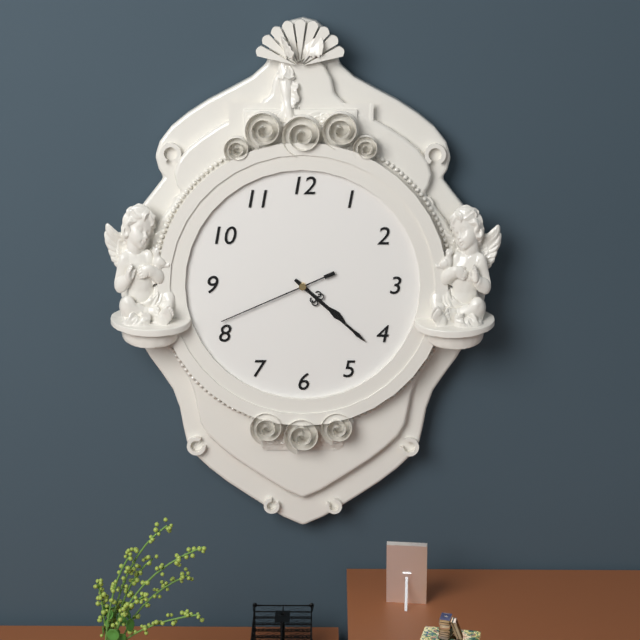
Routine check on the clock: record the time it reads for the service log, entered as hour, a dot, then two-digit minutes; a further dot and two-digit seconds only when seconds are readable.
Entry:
4.22.41
